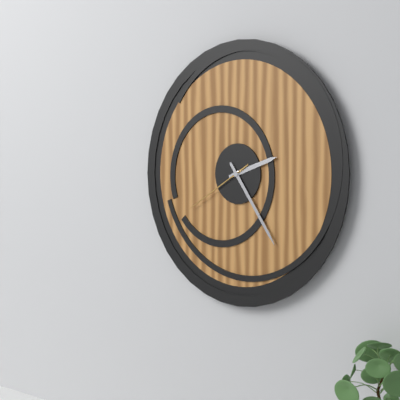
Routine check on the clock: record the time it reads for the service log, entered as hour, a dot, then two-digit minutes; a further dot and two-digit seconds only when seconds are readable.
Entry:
2.24.40
